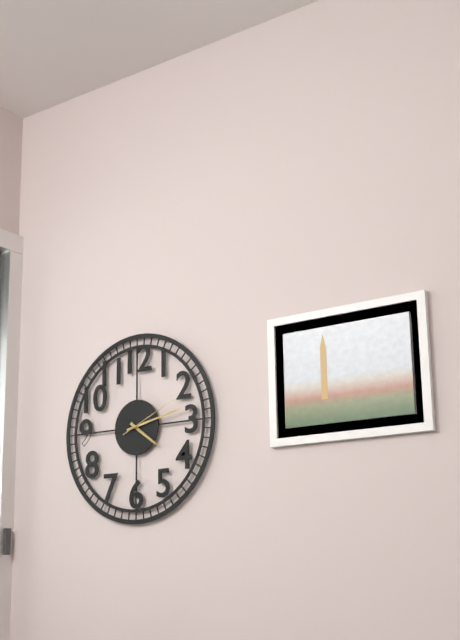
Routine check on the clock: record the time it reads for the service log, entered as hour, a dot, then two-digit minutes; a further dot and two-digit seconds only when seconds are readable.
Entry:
4.13.11
